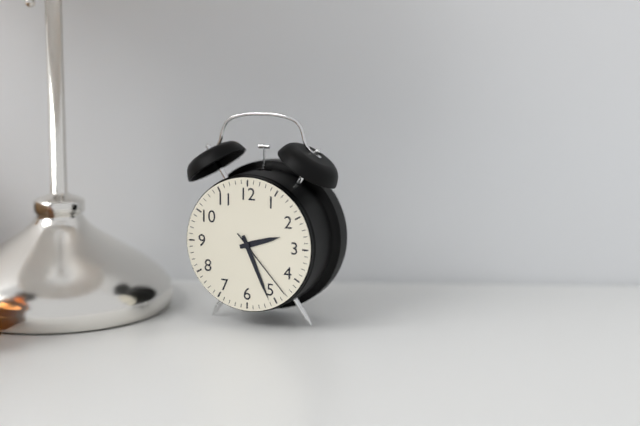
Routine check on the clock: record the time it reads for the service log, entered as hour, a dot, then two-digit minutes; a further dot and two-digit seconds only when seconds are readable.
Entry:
2.26.23
